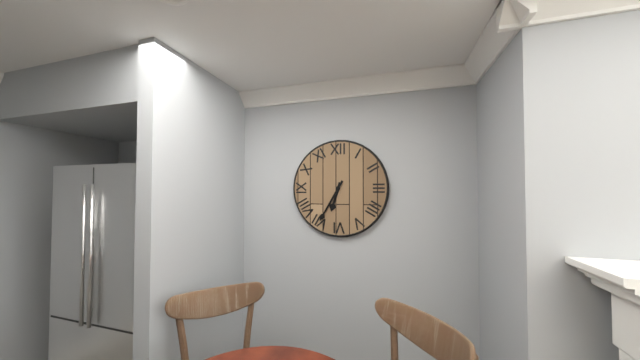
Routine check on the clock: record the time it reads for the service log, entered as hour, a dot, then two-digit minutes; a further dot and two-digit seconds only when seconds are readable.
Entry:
6.35
